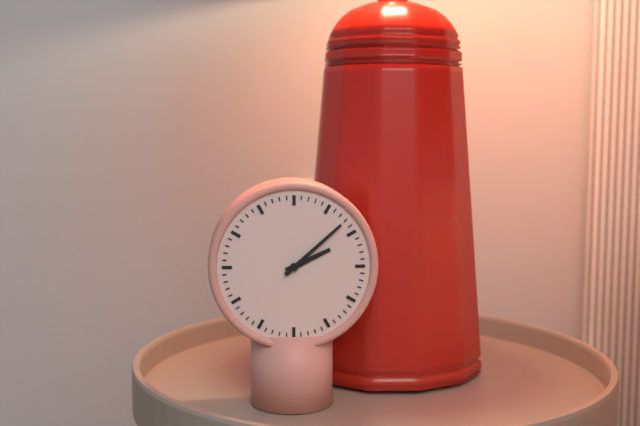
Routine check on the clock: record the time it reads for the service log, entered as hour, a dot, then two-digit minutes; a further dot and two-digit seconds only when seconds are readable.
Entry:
2.08
